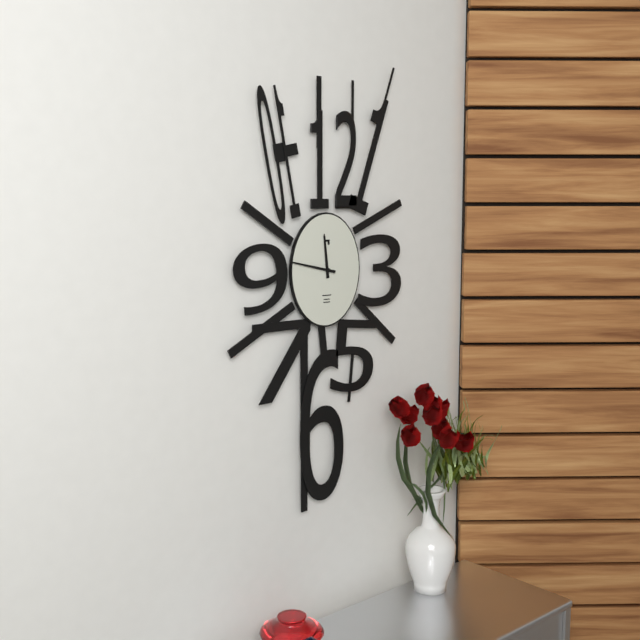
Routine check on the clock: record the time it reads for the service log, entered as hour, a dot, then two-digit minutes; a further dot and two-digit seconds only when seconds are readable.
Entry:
11.47
